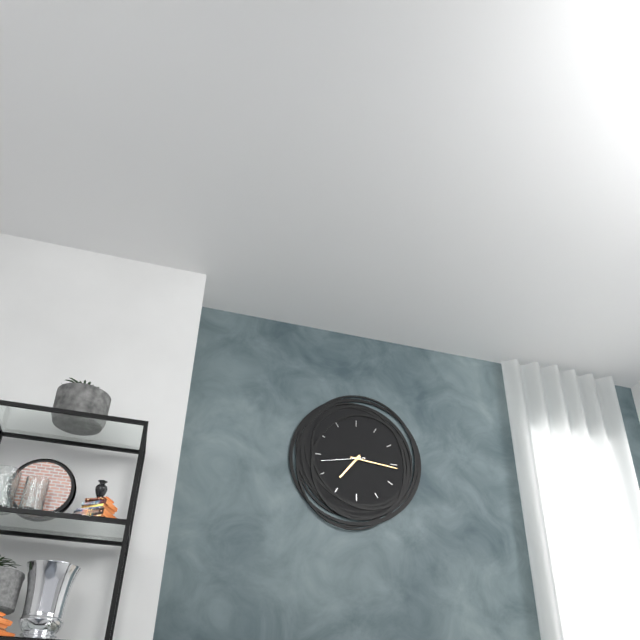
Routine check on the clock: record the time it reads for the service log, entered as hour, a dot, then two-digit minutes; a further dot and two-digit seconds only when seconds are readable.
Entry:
7.16
